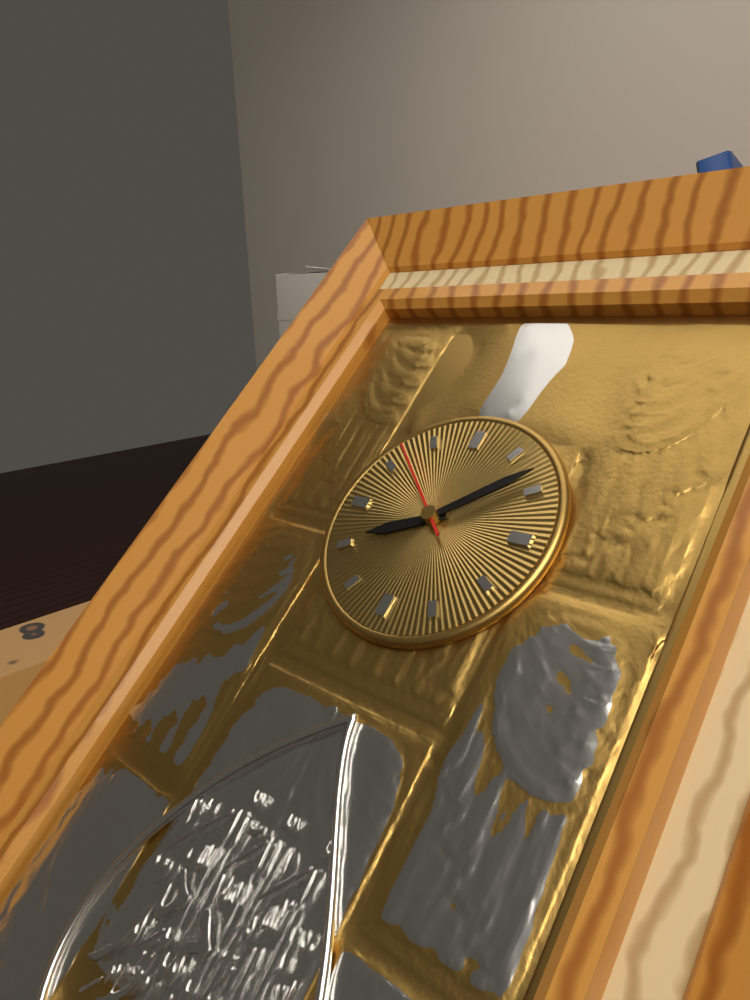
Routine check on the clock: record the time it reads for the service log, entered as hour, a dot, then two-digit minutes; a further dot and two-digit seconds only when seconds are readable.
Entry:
8.08.52
